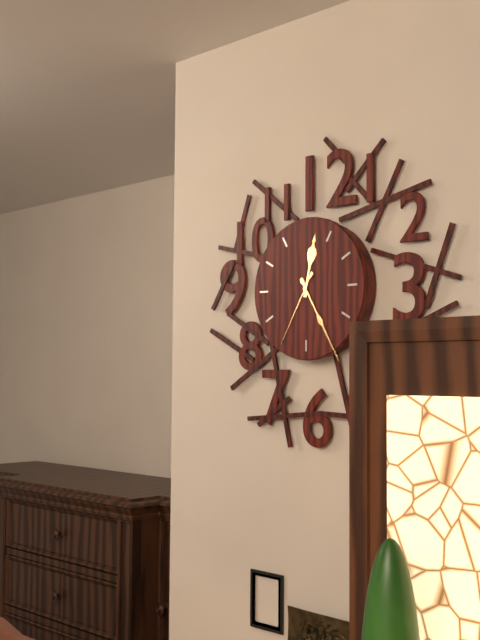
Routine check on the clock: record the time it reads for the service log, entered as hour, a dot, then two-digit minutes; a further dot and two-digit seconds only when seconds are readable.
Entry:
12.25.35
